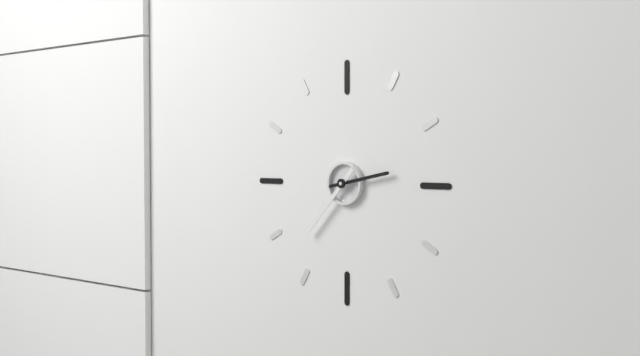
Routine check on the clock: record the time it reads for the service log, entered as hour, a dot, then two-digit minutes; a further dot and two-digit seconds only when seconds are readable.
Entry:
2.37
